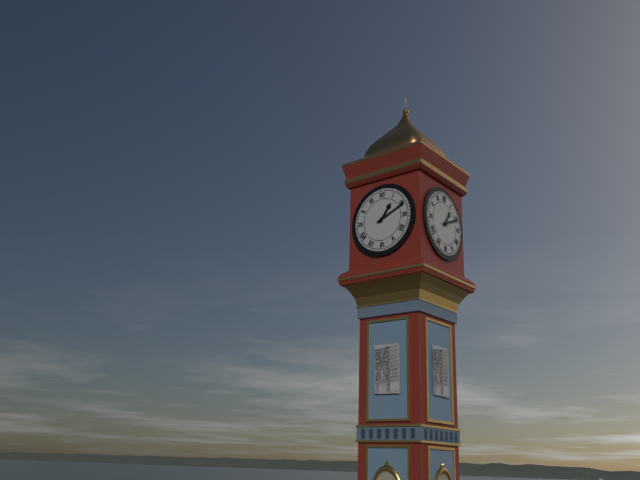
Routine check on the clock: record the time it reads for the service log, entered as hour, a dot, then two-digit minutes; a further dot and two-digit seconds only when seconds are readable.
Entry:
1.11
